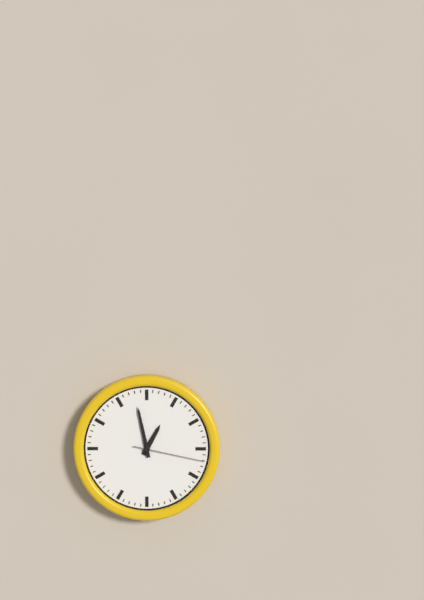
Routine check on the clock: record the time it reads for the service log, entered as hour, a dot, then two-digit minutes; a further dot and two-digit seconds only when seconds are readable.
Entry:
12.58.17
